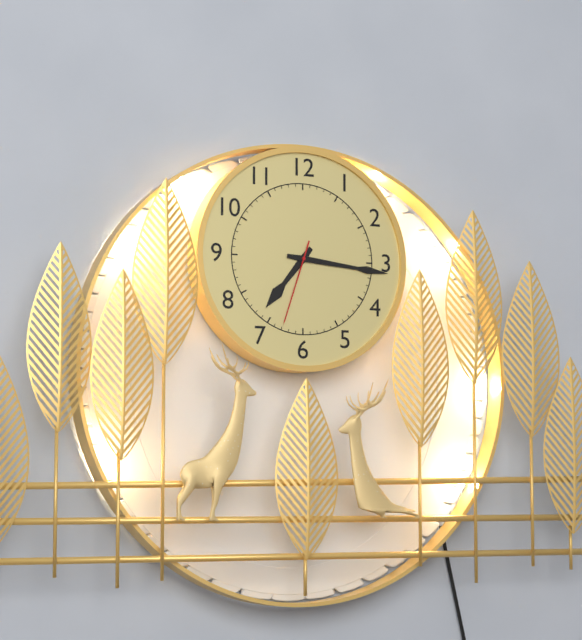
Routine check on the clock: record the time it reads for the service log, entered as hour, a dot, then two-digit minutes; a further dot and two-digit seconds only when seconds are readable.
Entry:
7.16.33
